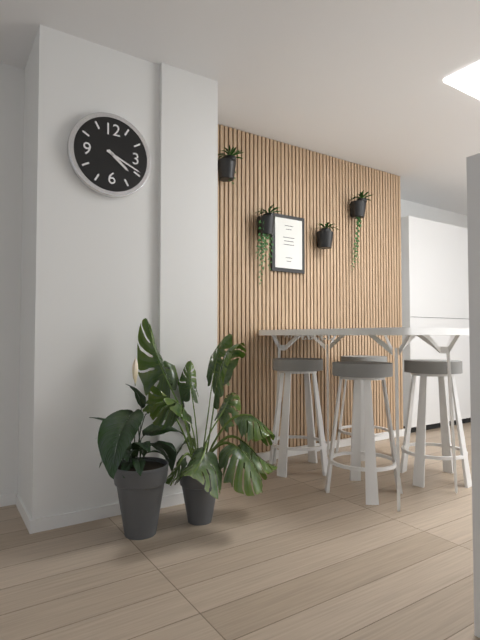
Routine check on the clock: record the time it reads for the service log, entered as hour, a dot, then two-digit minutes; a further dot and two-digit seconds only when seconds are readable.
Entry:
4.19
